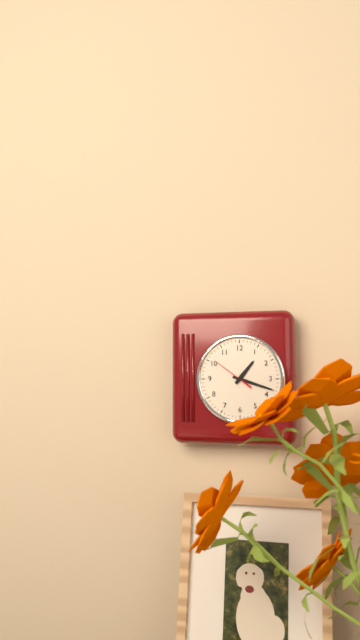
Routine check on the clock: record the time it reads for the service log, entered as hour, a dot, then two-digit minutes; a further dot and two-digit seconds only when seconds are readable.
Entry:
1.18
